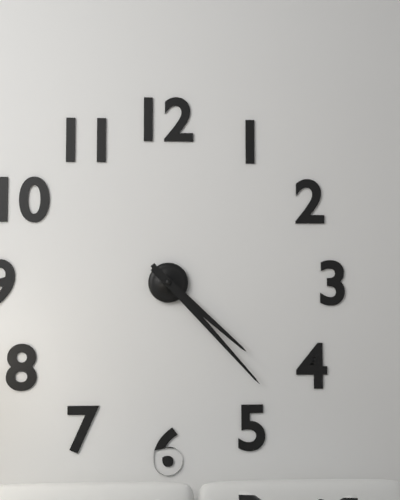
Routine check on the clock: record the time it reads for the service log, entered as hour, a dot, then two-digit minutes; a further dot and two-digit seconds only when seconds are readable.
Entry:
4.23
